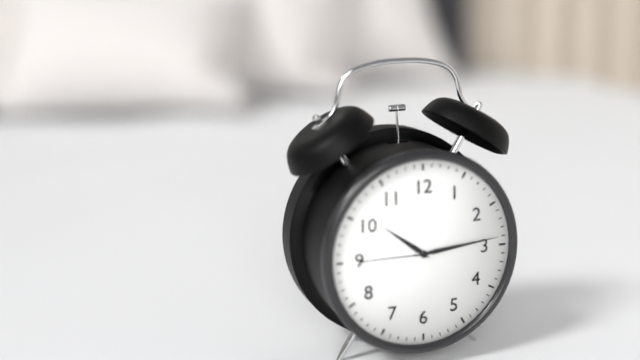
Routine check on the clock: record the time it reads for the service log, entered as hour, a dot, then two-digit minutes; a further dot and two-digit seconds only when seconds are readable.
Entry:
10.14.45
